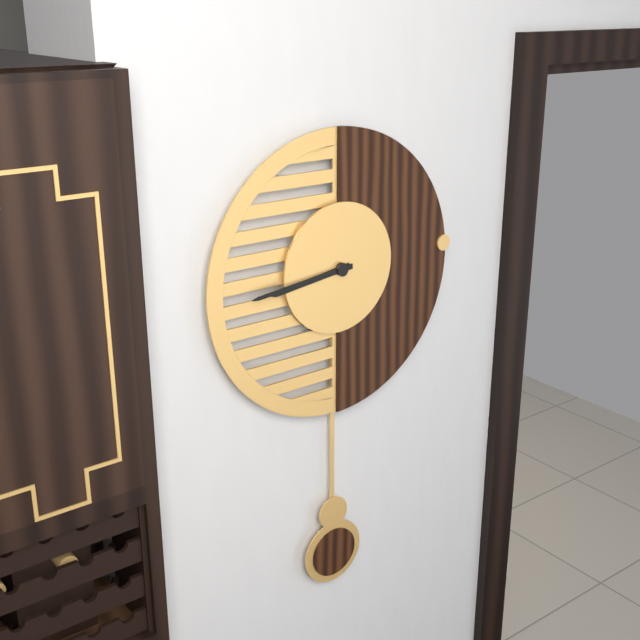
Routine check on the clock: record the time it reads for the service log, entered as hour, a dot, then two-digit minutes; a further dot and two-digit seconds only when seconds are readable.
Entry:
8.44
